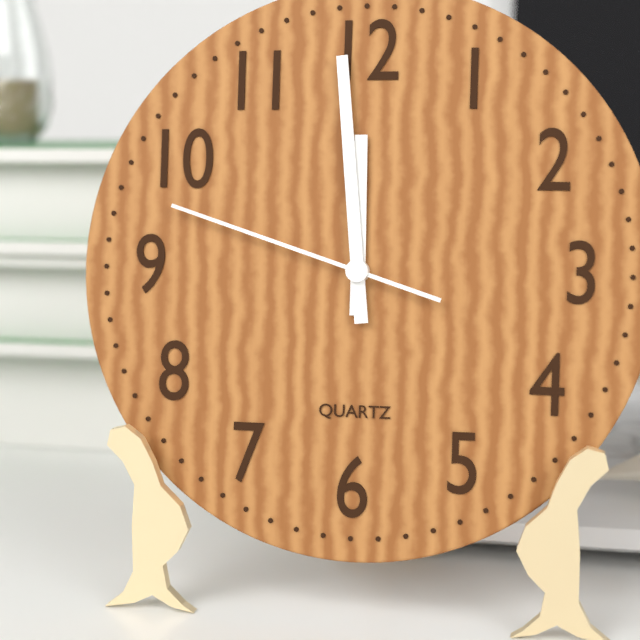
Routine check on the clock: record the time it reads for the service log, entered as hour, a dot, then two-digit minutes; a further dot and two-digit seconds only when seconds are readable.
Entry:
11.59.48
